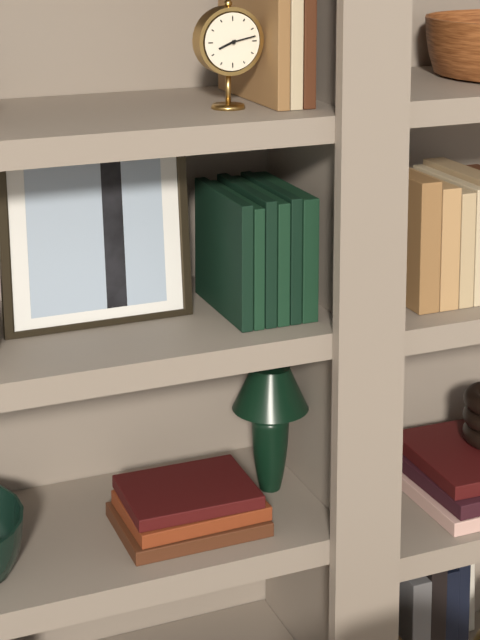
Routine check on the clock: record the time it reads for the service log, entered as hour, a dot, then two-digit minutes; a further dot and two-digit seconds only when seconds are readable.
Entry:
8.13
